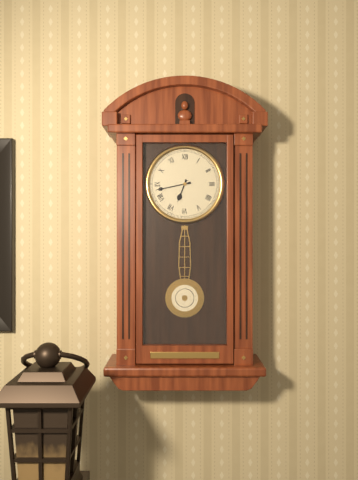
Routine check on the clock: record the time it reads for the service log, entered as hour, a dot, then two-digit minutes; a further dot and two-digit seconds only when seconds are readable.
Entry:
6.43
